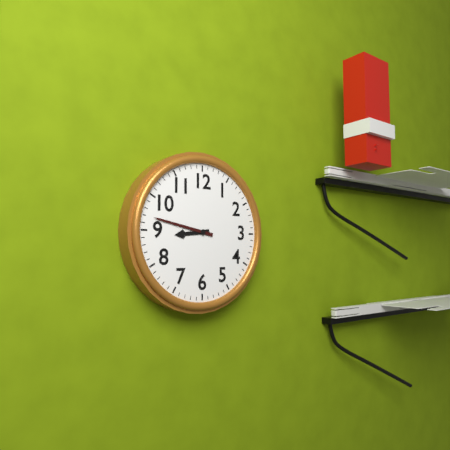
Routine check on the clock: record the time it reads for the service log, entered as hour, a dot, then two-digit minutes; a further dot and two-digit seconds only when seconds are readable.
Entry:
8.47
